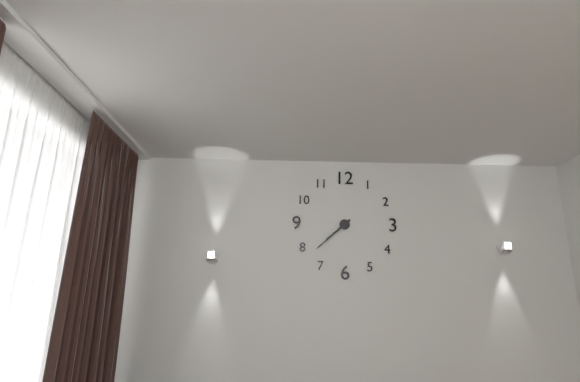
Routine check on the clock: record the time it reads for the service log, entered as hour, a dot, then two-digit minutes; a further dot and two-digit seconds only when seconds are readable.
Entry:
7.38
